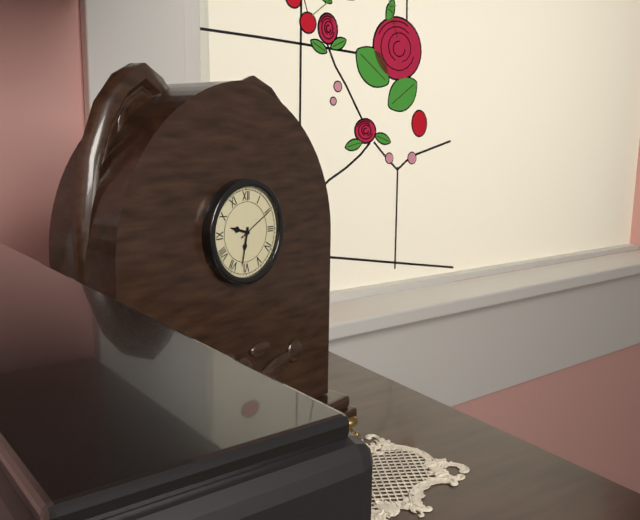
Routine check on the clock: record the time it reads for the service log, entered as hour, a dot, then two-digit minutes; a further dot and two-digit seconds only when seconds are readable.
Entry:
9.32
